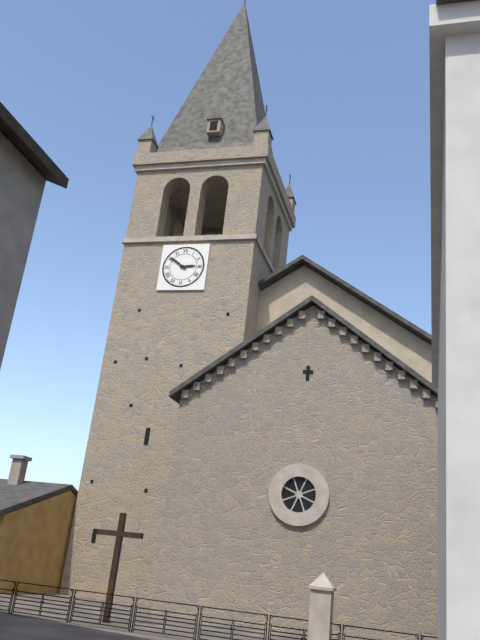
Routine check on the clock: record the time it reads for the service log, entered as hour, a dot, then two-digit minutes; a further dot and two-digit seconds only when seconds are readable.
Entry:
2.51
